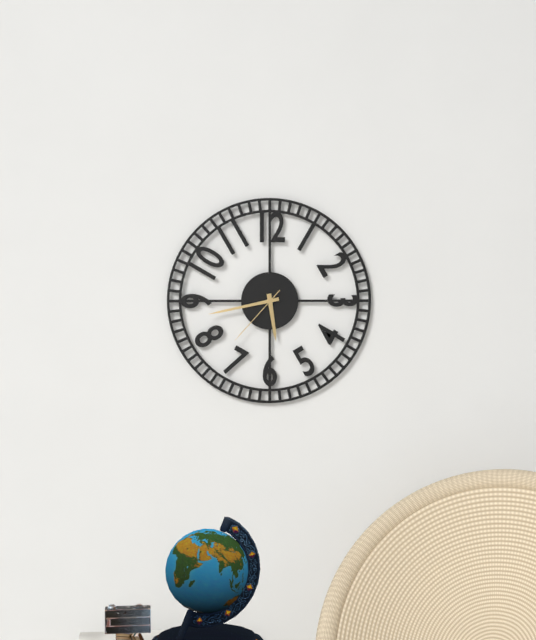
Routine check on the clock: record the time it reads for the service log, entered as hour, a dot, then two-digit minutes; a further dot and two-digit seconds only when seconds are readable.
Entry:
5.43.37
